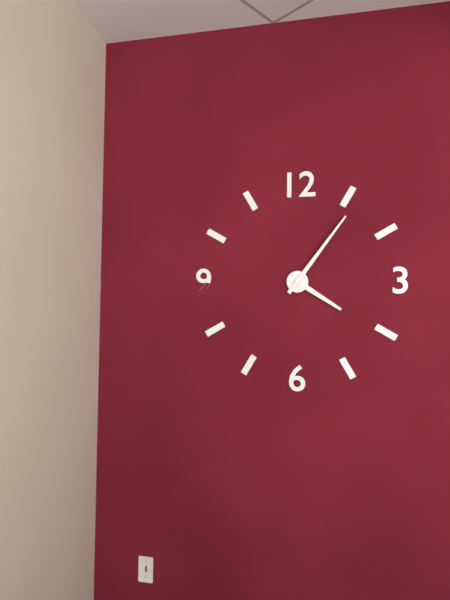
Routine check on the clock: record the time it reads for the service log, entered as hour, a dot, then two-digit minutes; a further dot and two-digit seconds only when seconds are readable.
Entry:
4.06
